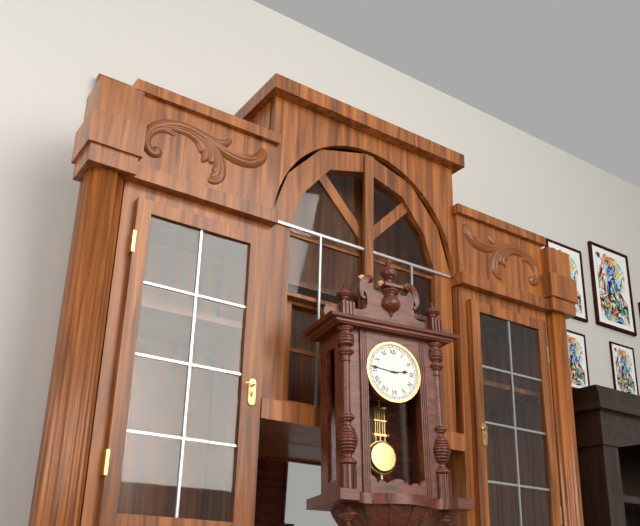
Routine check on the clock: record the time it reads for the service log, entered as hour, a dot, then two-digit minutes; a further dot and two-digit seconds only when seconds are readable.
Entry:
2.46
